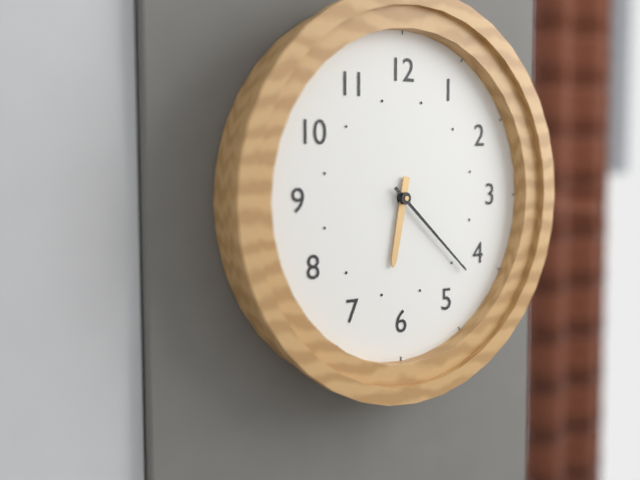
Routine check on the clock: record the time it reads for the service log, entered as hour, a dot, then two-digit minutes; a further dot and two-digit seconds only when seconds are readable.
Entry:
6.22
